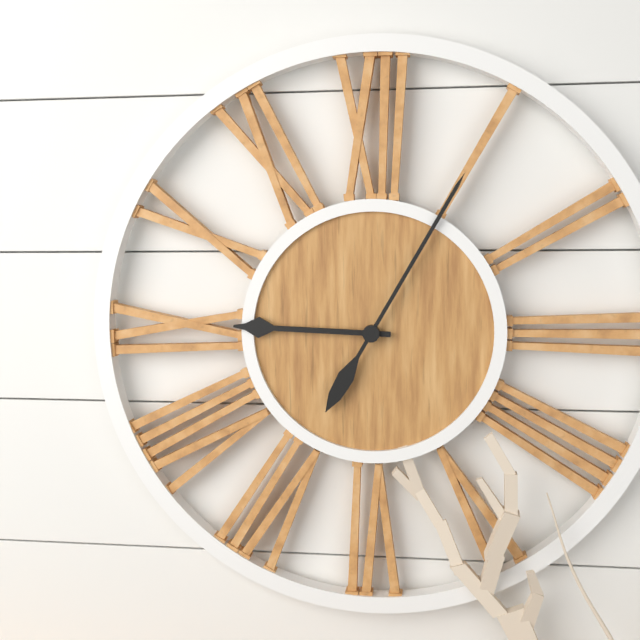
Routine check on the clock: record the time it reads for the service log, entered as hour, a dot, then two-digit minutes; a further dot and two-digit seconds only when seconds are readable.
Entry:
9.05
